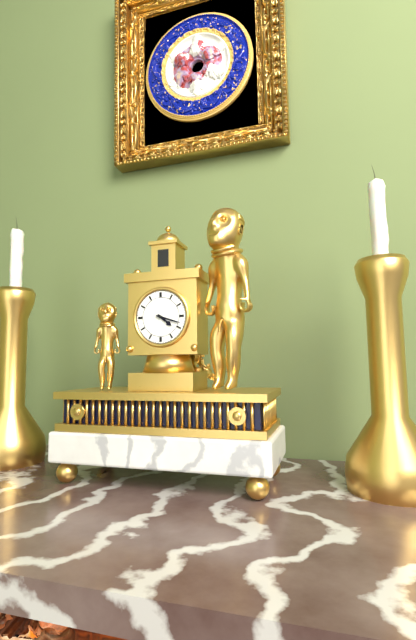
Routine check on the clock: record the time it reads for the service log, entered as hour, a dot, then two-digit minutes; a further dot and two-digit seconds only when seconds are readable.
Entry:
4.18
